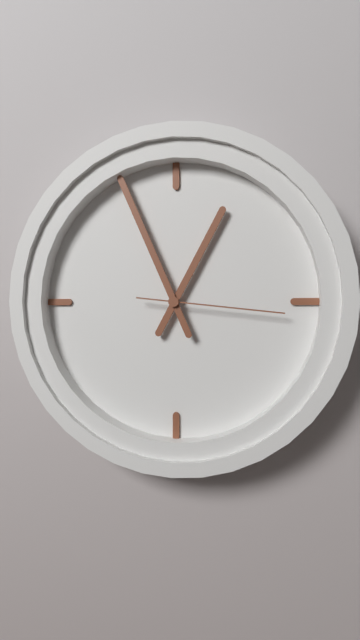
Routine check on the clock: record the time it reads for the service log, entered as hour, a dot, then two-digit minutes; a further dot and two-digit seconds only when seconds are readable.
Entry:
12.56.16
